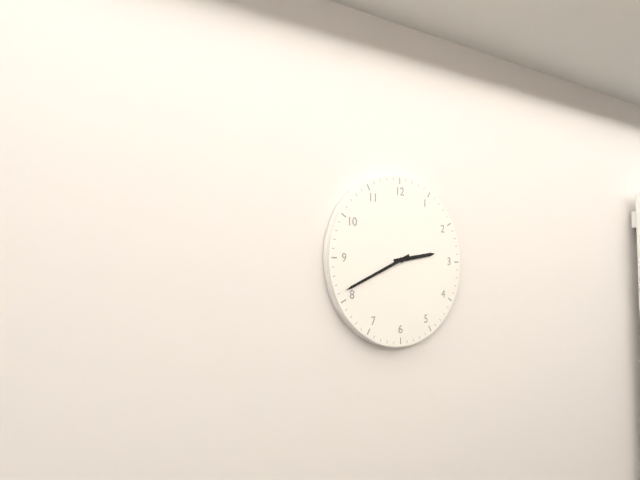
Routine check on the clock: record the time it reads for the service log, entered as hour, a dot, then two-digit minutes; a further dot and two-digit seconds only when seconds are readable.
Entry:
2.41
